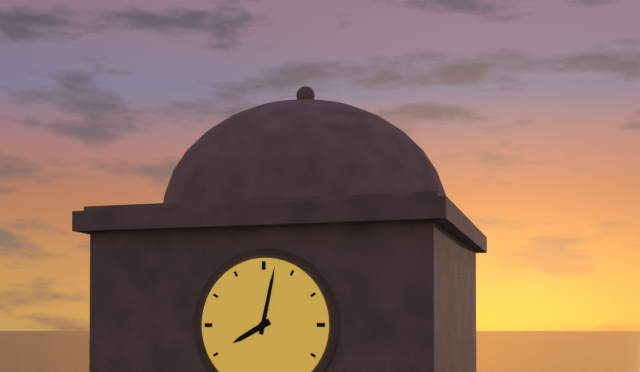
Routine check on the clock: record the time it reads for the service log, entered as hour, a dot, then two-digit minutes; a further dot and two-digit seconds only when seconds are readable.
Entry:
8.02
